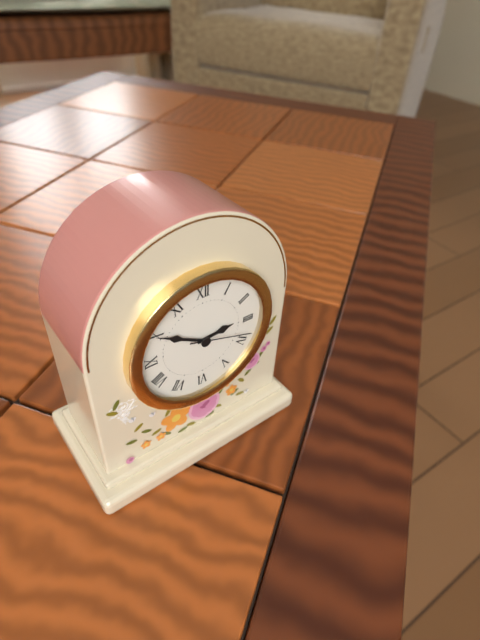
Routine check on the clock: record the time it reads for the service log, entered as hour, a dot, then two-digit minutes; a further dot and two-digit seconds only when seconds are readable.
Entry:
2.50.18
